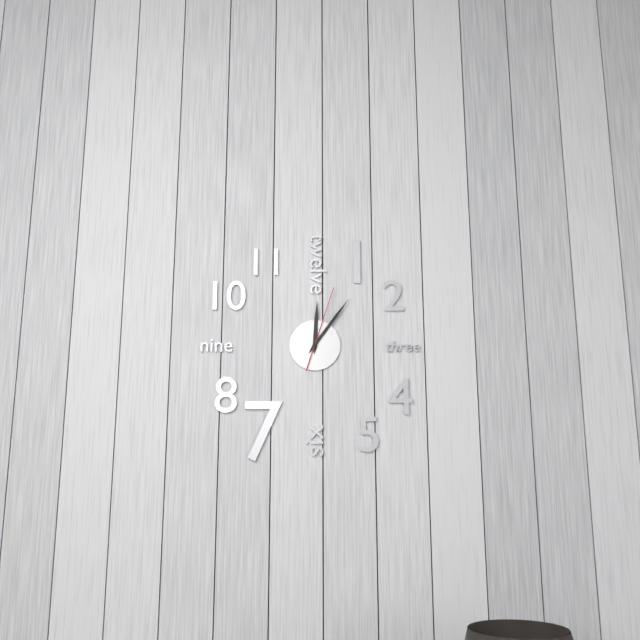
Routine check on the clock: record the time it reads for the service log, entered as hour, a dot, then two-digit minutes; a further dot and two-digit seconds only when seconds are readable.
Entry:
12.06.03
